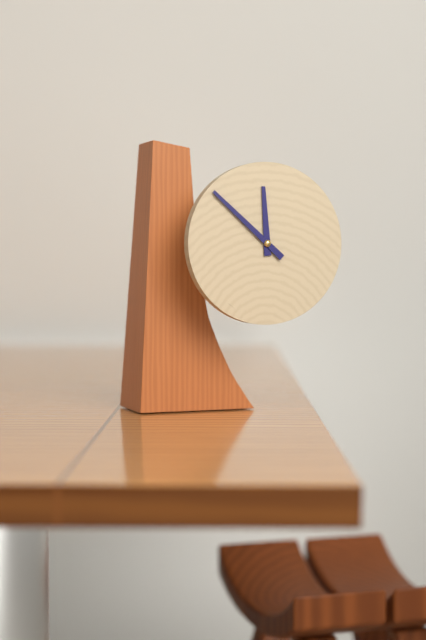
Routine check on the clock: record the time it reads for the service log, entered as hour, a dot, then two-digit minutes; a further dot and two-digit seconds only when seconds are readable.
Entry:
11.52
